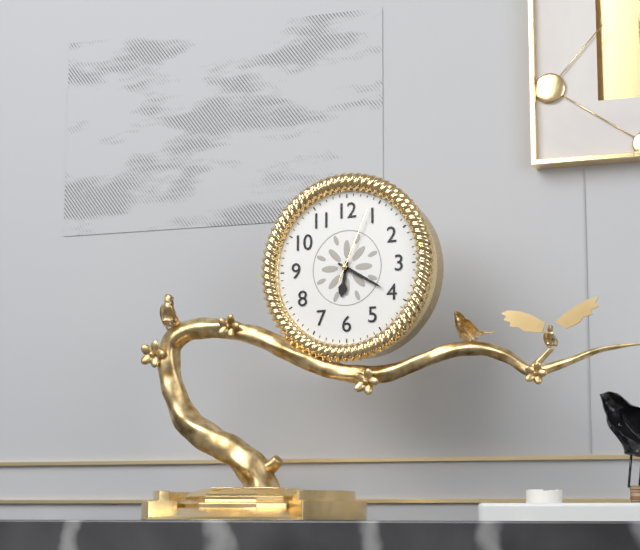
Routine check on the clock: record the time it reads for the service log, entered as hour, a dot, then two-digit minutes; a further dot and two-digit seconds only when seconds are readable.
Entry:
6.20.04
